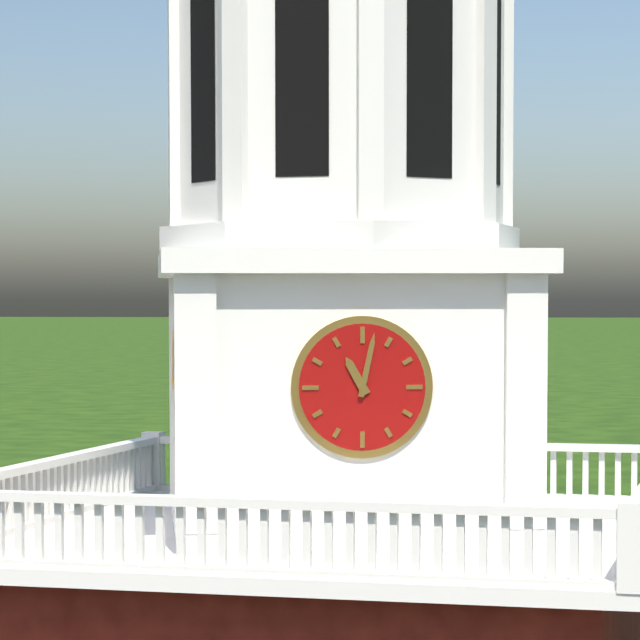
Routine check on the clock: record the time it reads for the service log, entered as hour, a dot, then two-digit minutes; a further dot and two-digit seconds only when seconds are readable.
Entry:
11.02
